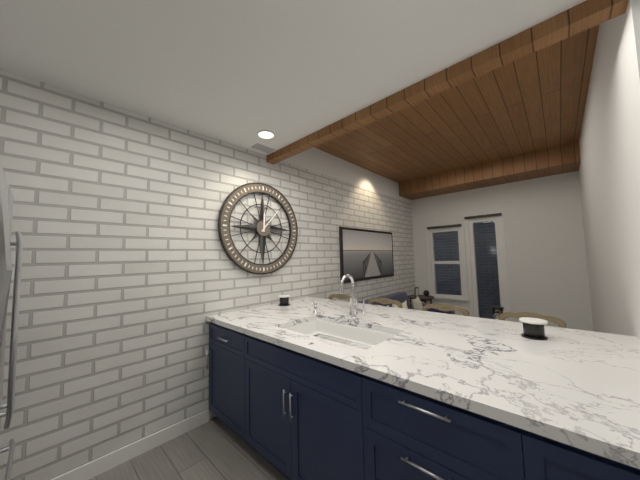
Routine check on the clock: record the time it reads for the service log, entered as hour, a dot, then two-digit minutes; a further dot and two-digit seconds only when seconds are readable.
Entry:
12.07
